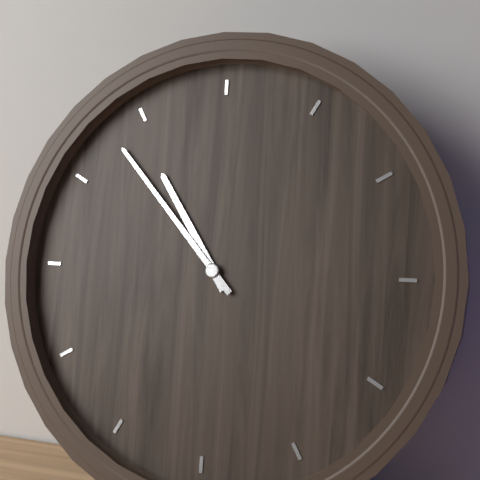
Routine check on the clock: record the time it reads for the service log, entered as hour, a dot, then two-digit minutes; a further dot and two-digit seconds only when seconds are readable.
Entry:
10.53
